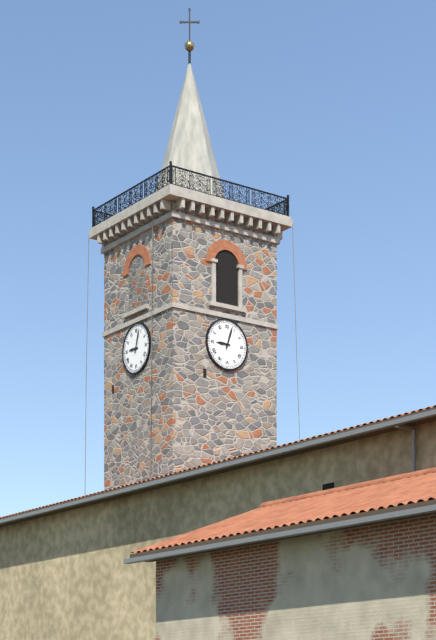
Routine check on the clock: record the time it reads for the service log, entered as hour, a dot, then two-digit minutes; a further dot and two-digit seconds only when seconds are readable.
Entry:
9.03
